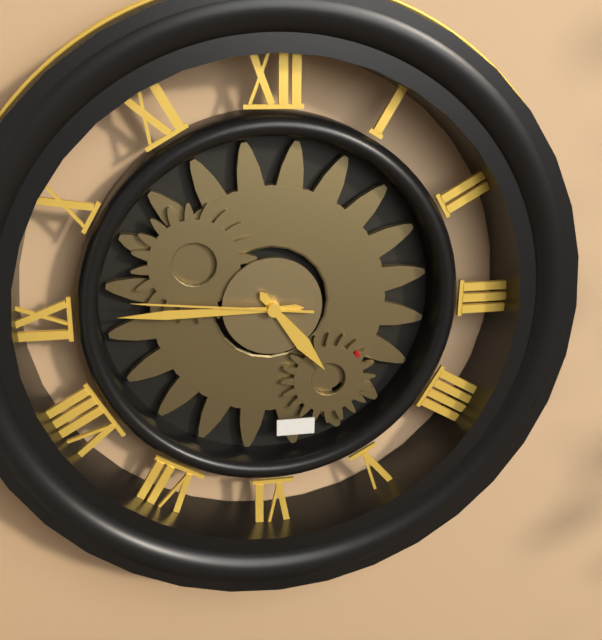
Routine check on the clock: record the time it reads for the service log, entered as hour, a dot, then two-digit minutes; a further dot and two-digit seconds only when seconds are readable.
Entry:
4.45.46
